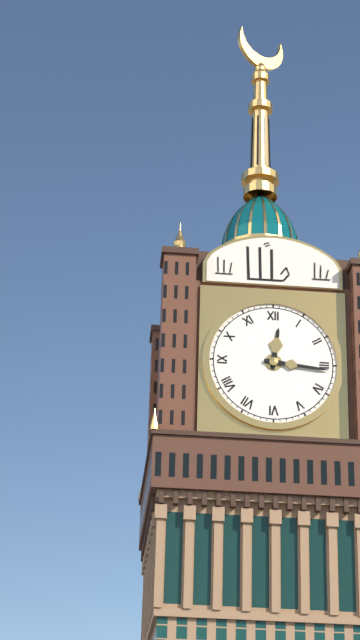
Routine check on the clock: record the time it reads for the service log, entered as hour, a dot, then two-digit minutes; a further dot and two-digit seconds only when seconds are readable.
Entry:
12.16
